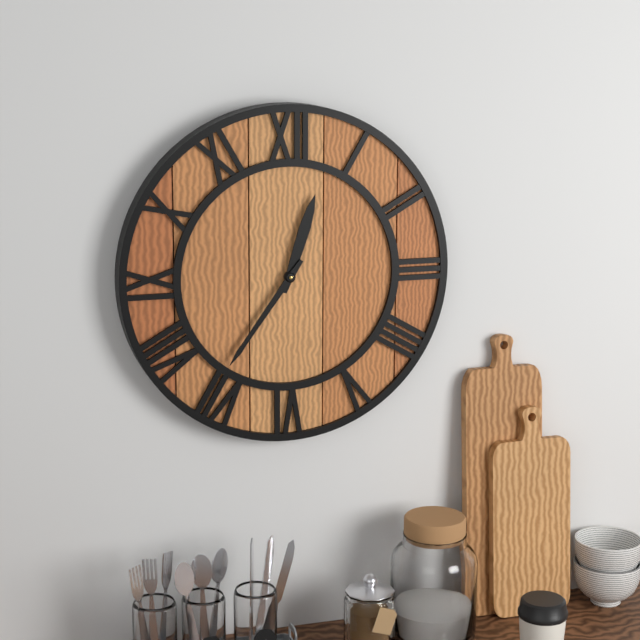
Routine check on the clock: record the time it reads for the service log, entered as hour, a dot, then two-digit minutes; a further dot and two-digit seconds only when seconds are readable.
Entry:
12.36
